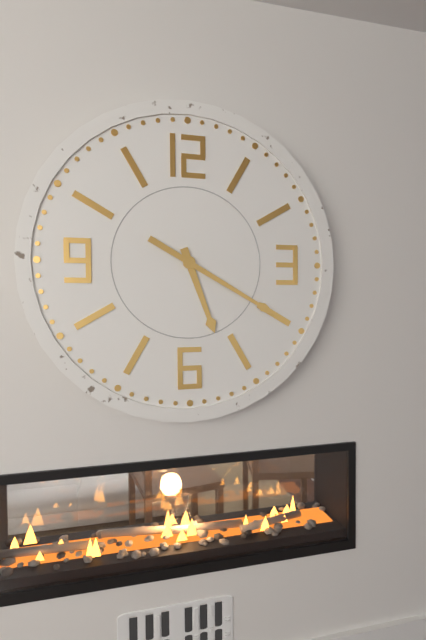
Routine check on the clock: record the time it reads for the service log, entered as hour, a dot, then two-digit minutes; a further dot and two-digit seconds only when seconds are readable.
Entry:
5.20
